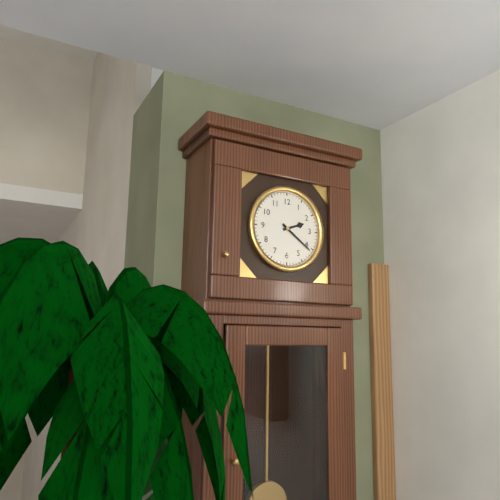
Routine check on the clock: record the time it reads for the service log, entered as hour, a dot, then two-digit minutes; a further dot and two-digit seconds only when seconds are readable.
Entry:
2.21
